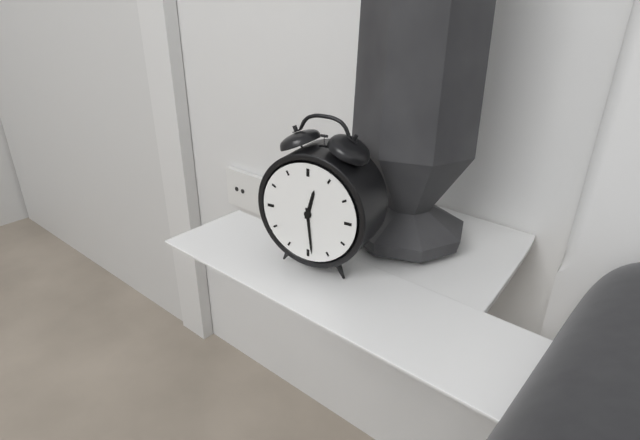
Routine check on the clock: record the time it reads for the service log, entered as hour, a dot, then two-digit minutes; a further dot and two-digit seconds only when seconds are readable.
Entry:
12.29
